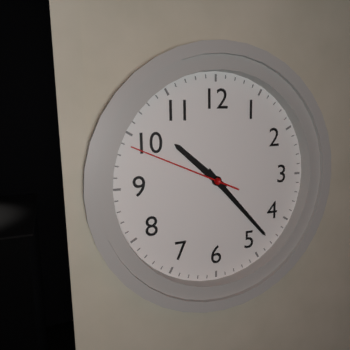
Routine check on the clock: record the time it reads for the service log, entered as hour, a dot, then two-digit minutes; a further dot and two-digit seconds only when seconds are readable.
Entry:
10.23.49
